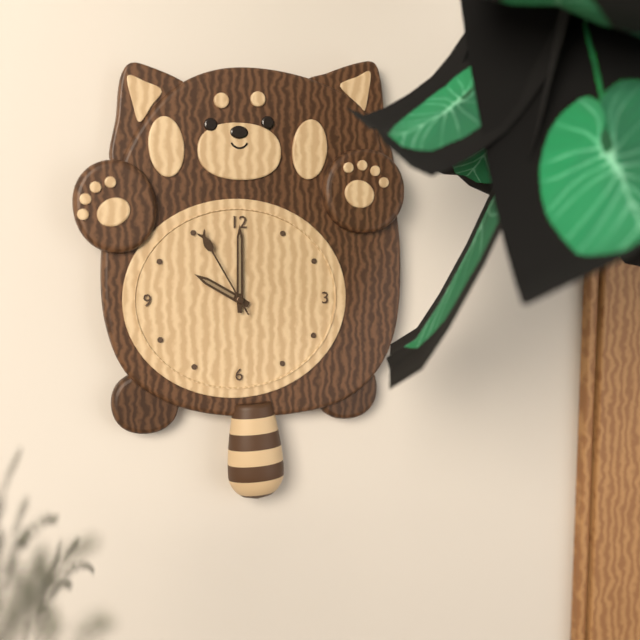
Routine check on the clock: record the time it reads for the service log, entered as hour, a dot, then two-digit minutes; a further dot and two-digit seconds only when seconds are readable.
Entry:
10.00.55
